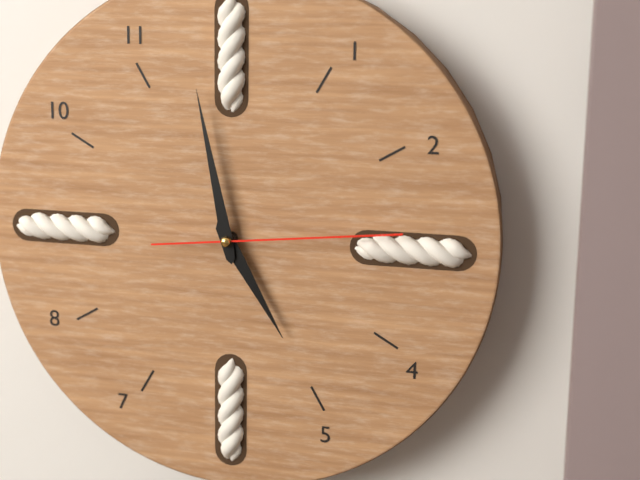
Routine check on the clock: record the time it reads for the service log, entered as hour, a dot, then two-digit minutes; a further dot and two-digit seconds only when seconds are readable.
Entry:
4.58.14
